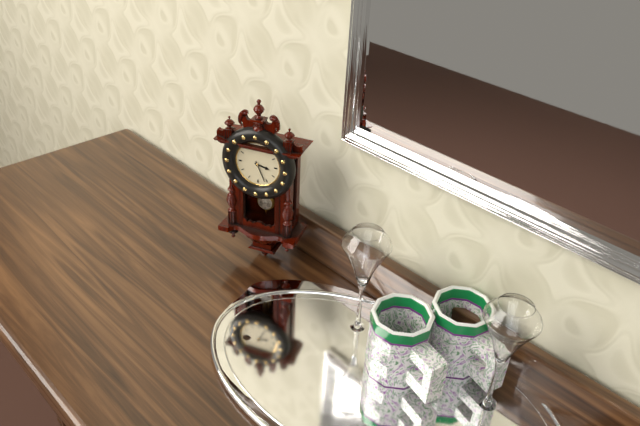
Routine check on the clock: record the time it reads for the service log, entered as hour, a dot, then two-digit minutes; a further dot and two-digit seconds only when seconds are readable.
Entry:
3.26
